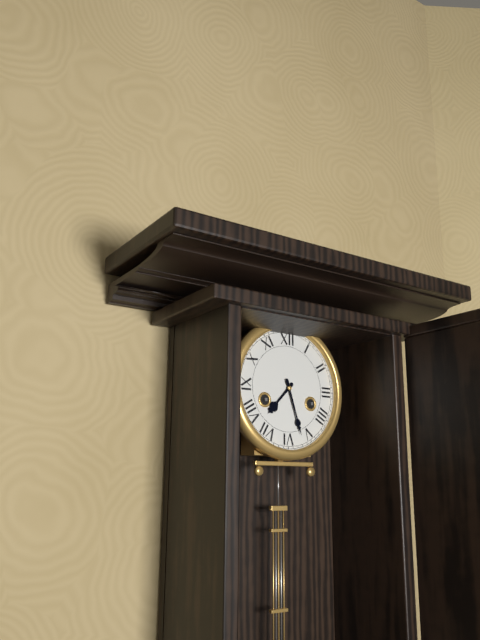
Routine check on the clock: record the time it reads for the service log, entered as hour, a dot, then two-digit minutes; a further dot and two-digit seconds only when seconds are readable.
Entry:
7.27
